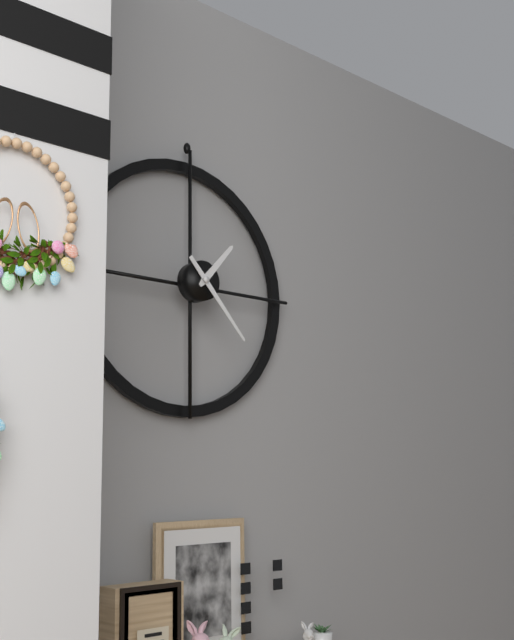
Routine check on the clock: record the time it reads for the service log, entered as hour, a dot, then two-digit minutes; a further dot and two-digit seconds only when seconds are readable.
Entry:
1.23
